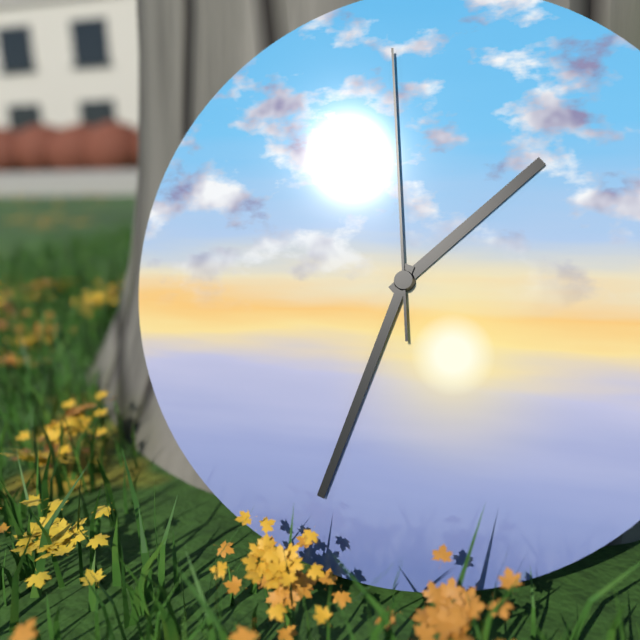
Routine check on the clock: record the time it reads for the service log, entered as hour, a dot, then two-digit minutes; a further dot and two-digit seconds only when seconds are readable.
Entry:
1.33.59
